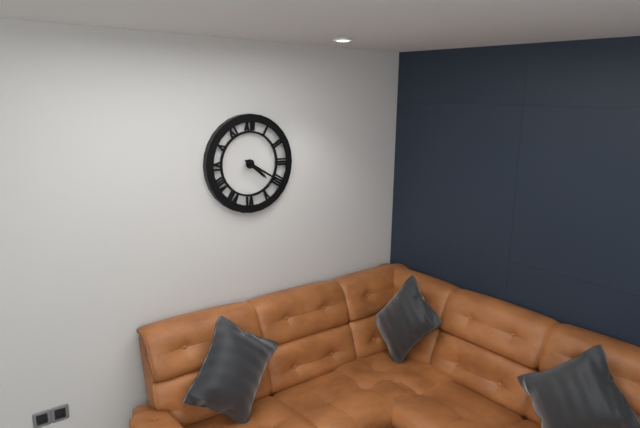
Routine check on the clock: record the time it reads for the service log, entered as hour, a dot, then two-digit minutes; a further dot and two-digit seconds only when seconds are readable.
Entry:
4.20
